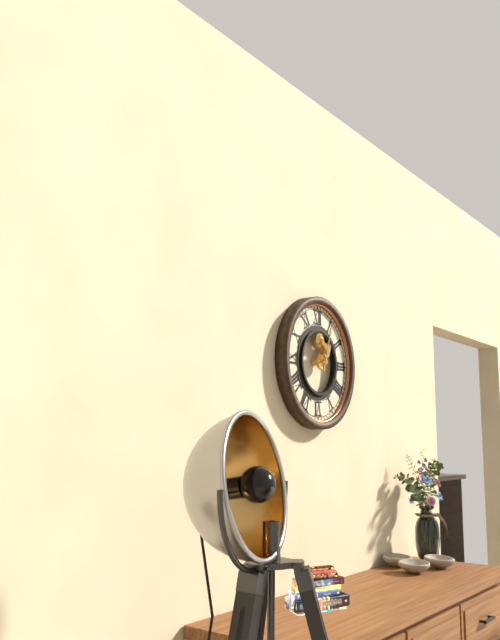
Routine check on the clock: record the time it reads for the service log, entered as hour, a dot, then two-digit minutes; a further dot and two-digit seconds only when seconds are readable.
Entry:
1.03
